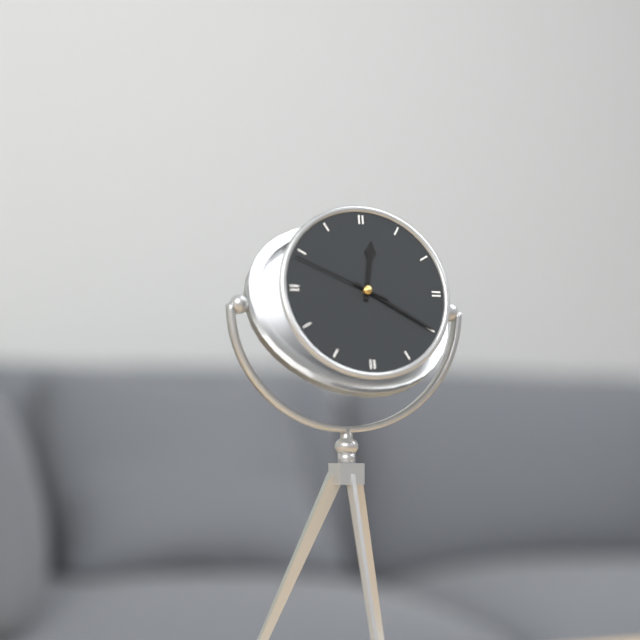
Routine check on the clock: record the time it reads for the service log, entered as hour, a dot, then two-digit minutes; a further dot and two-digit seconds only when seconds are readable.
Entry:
12.20.49
